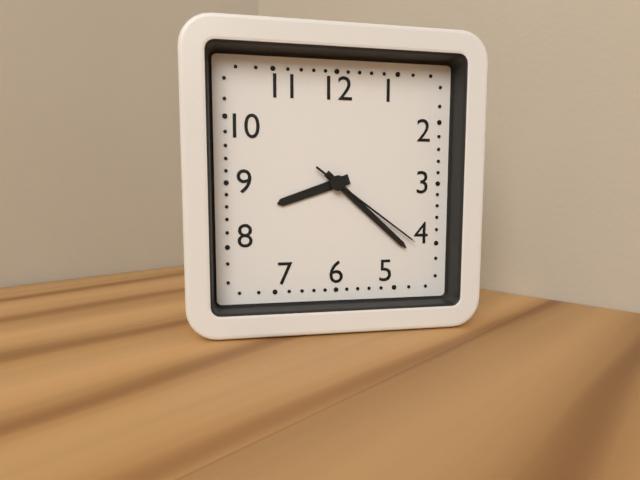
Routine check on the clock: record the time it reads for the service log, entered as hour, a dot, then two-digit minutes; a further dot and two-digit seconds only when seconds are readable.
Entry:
8.22.21
